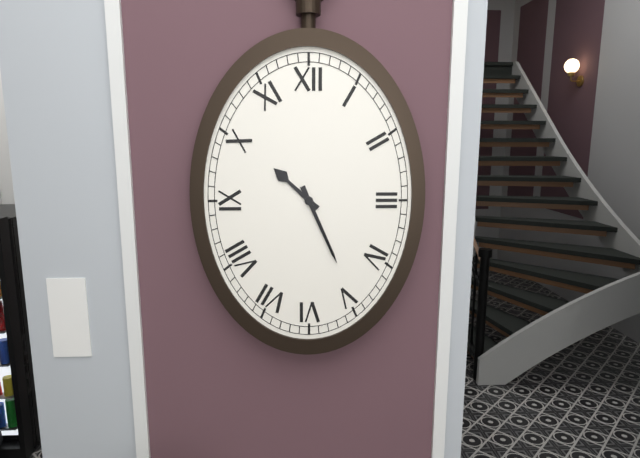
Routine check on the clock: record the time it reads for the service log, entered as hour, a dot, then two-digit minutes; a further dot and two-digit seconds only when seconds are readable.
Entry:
10.26
